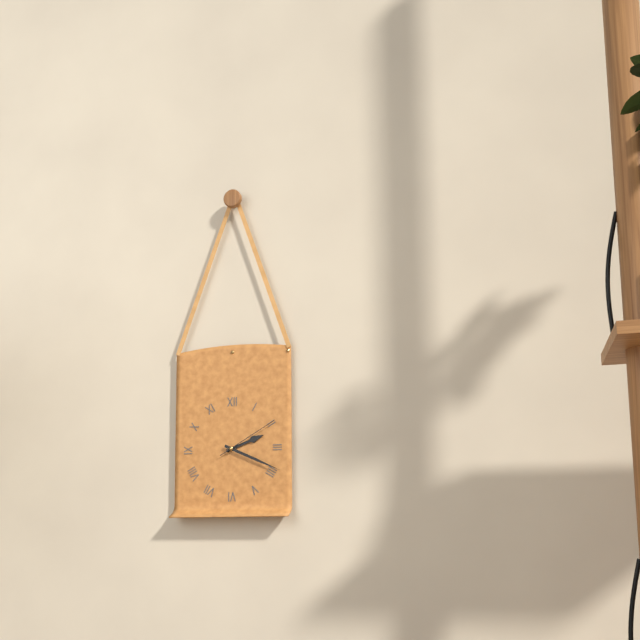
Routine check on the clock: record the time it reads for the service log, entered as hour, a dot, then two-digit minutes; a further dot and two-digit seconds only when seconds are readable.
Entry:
2.19.10
